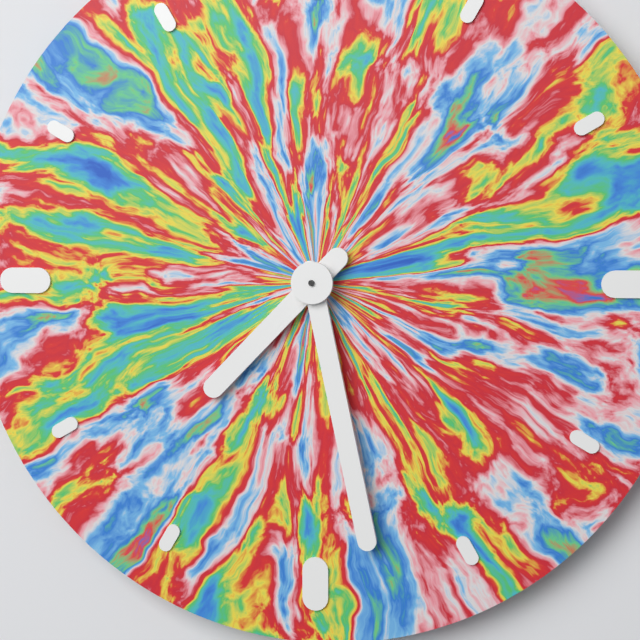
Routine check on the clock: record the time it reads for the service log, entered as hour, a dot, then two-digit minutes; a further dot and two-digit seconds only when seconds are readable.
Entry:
7.28
